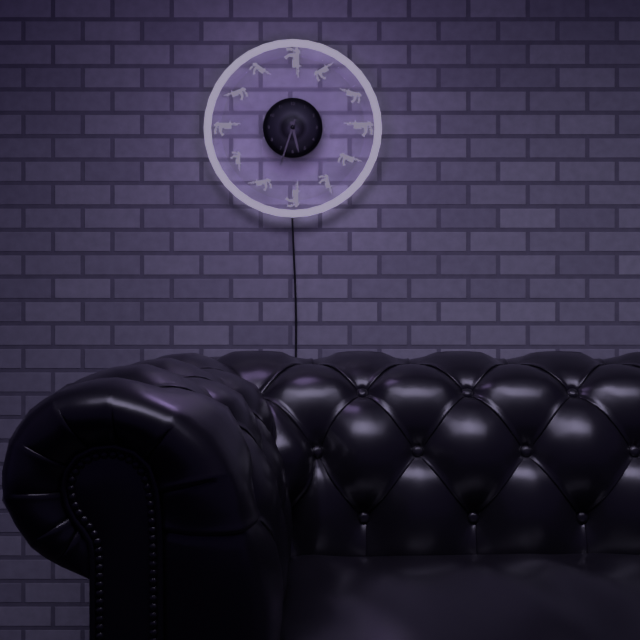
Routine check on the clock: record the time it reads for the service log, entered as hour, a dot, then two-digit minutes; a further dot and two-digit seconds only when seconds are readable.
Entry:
5.33
